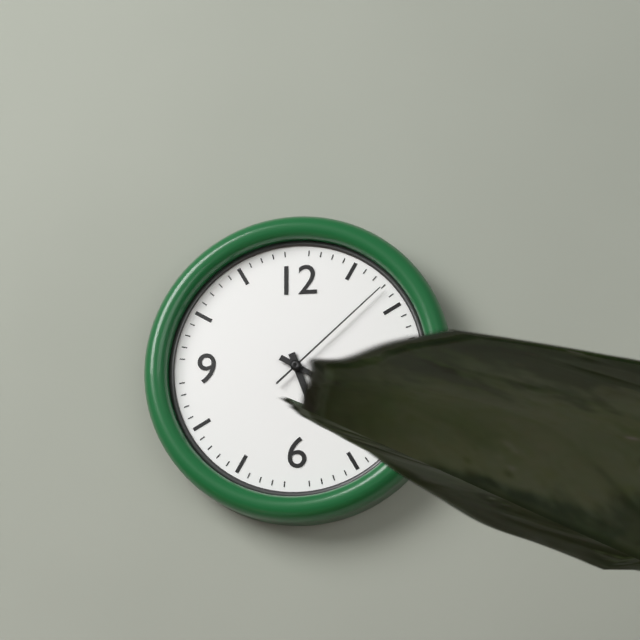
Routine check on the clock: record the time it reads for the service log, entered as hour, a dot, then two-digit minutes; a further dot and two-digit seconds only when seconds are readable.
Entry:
5.20.08
